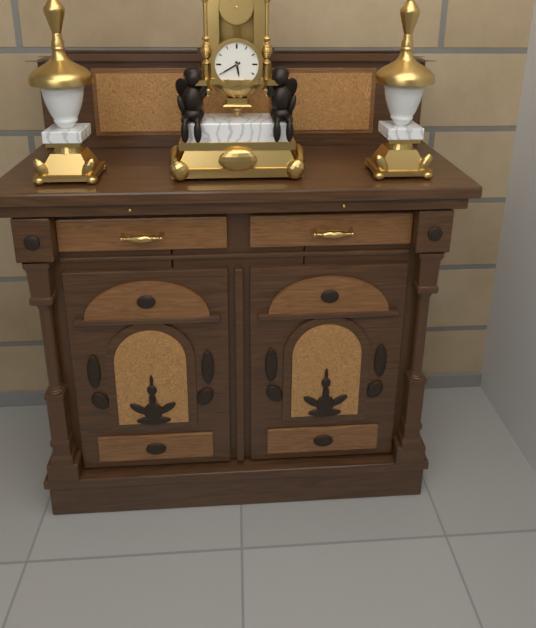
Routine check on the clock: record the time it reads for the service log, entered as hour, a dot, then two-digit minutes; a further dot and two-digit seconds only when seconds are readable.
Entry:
5.40
